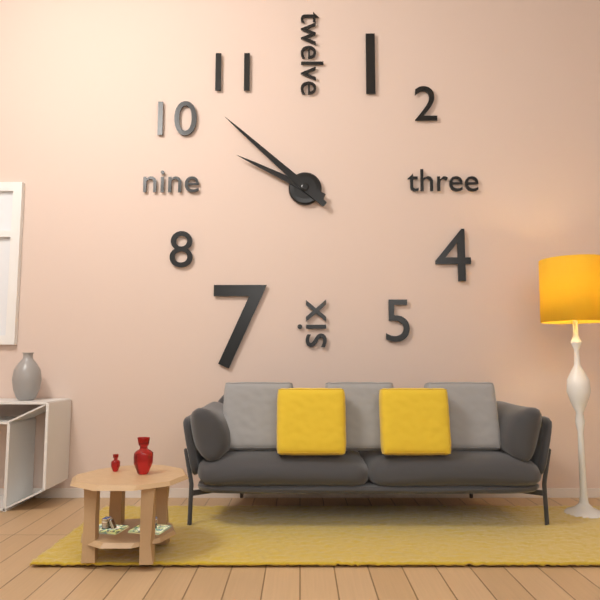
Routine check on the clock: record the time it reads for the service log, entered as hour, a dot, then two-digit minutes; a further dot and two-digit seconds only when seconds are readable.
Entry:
9.52
